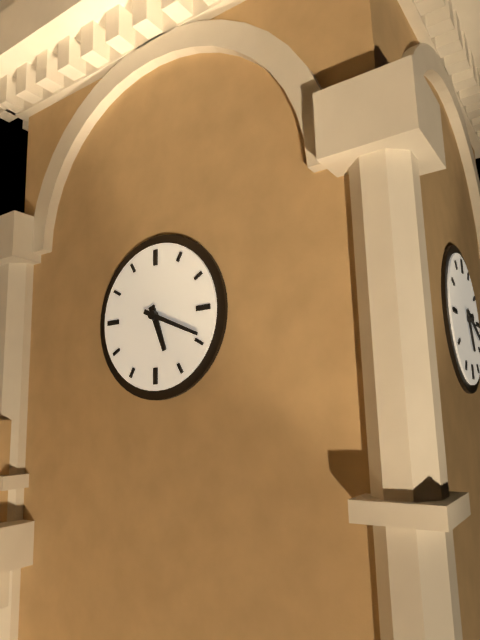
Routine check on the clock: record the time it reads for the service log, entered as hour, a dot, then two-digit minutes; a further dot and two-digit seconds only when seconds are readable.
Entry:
5.19
